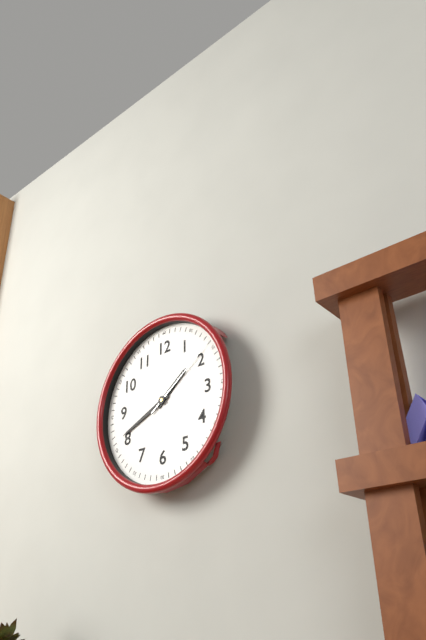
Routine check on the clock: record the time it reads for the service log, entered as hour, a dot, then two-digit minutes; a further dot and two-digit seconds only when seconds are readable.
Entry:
1.41.09
